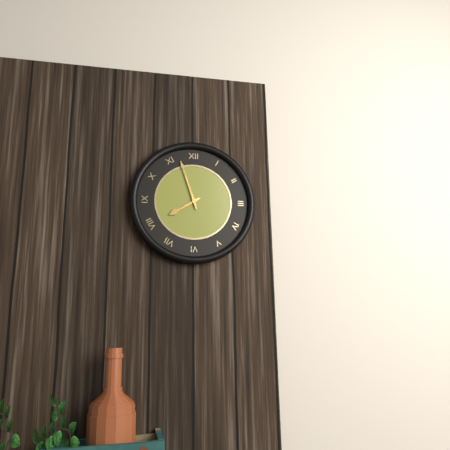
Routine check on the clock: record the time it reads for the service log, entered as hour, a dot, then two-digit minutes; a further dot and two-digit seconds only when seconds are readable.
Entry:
7.57
